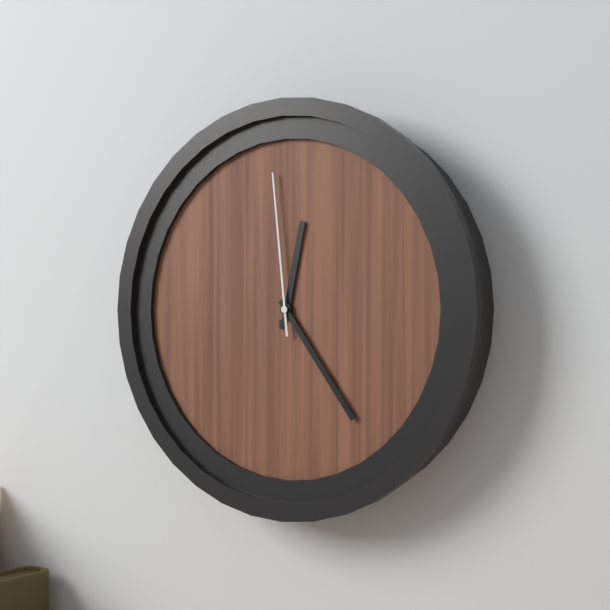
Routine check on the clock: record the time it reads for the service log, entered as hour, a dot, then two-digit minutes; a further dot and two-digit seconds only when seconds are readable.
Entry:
12.24.59
